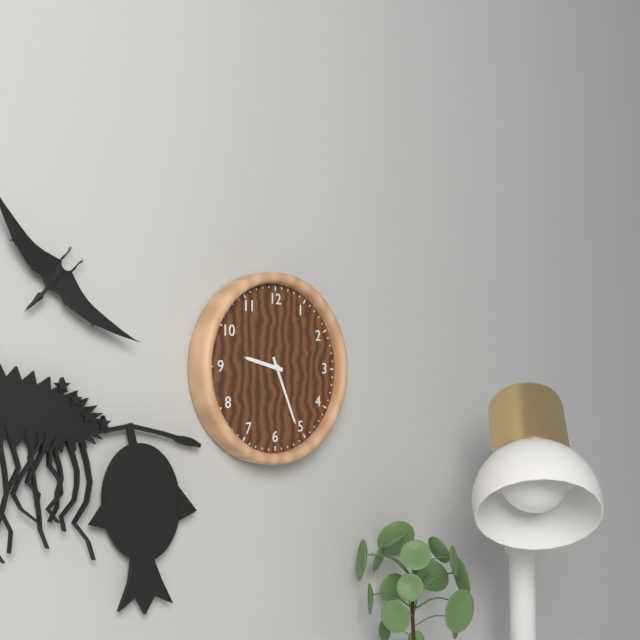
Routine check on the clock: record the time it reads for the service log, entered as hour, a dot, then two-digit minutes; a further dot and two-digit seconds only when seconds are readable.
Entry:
9.26
